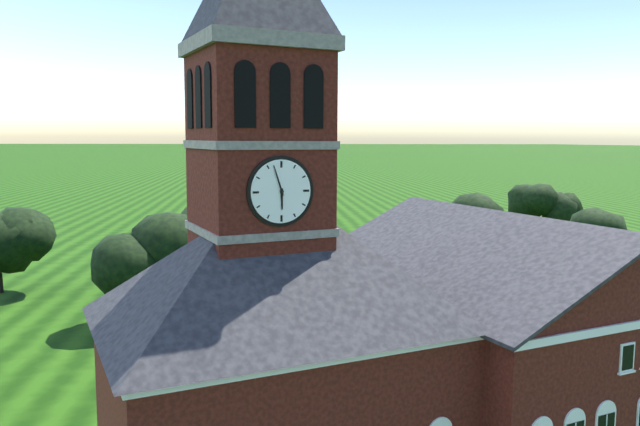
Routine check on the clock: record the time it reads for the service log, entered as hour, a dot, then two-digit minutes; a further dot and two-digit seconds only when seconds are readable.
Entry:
5.57
